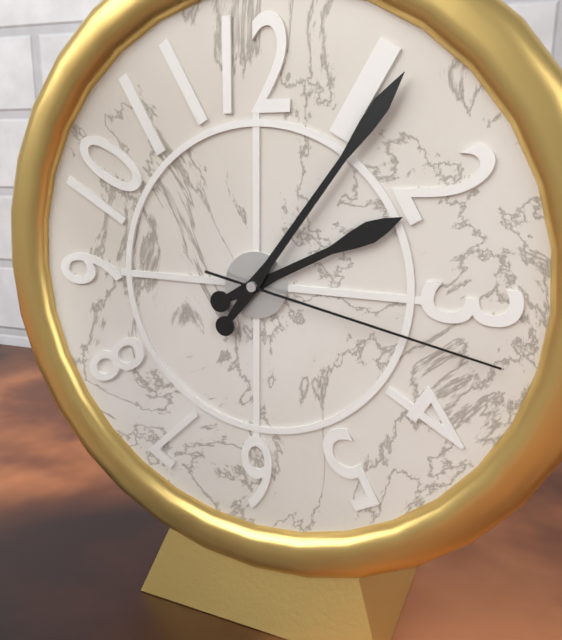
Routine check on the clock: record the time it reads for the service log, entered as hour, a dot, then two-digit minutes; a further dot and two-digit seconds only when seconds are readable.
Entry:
2.06.17
